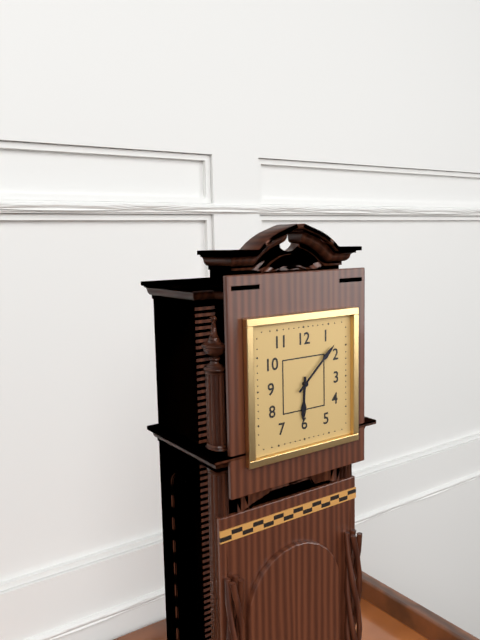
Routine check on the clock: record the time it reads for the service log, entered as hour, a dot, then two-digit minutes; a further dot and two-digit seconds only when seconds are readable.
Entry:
6.08
